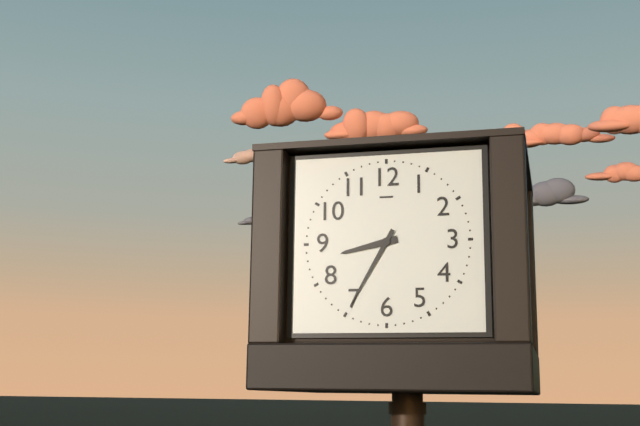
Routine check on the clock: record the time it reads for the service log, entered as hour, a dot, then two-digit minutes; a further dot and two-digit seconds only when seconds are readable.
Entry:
8.35
